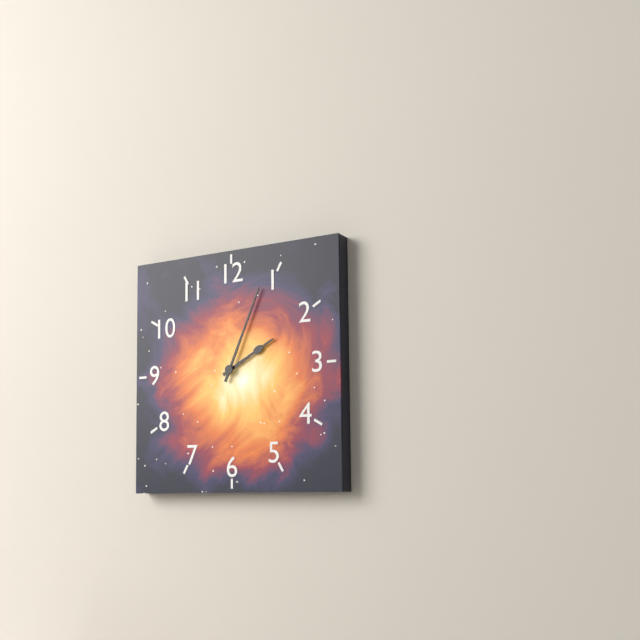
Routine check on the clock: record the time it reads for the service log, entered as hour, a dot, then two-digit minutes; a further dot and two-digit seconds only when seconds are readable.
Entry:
2.04
